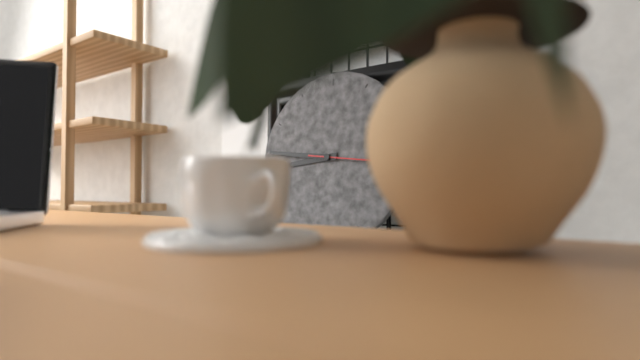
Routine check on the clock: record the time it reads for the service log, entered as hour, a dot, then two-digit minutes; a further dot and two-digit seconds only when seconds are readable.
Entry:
8.46
